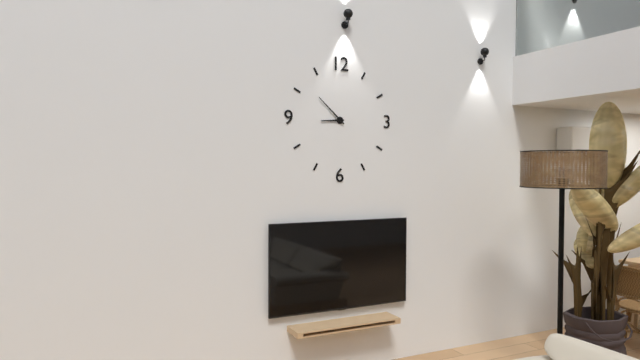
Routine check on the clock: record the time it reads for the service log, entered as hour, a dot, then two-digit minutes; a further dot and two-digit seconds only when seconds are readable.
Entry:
8.52
